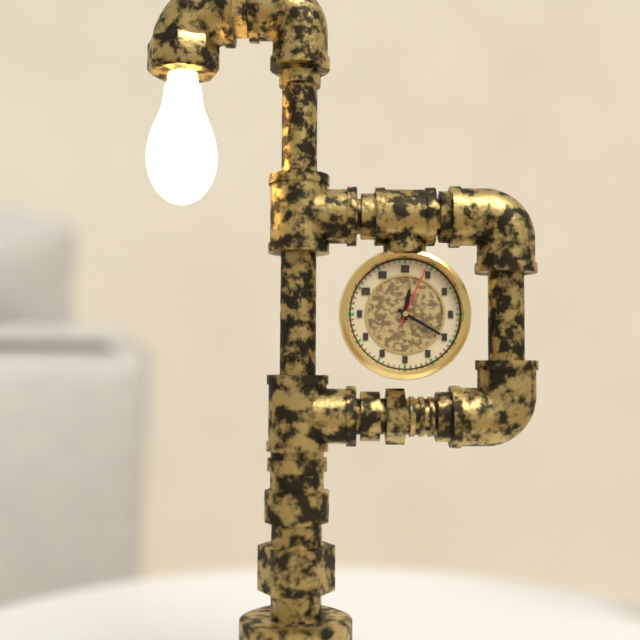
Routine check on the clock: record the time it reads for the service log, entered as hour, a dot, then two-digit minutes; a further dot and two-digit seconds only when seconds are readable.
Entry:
12.20.04
